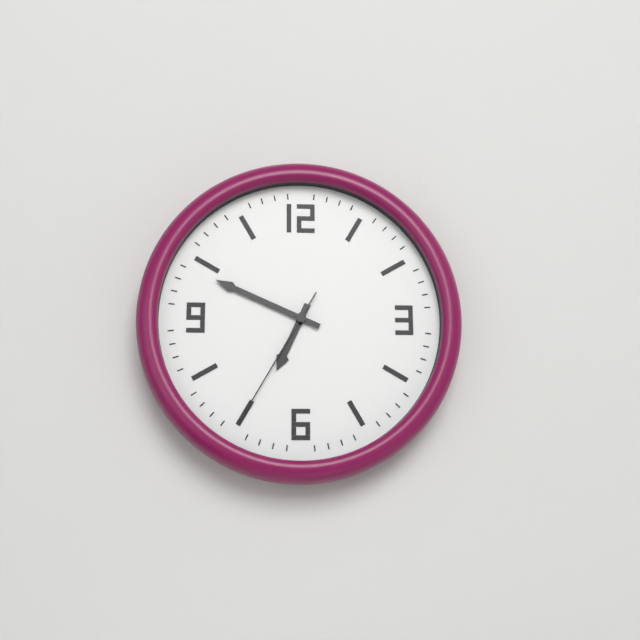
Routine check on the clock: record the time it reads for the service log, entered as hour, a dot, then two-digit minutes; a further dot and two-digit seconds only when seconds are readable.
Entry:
6.49.35
